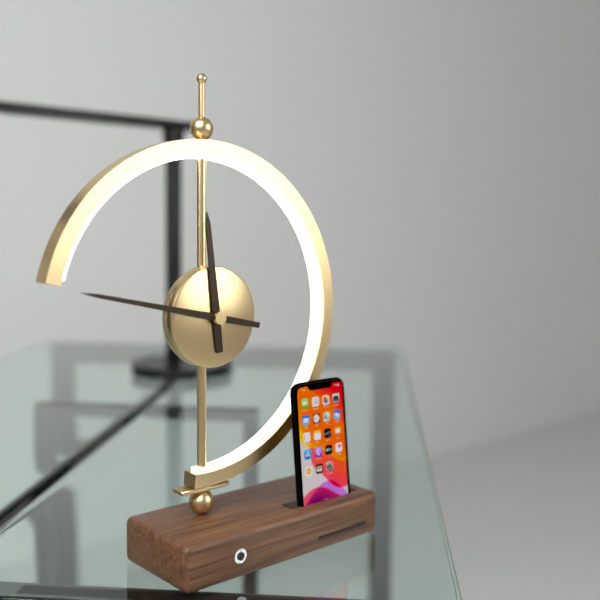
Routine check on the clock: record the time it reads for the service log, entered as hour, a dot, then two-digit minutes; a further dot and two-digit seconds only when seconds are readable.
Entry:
11.47
